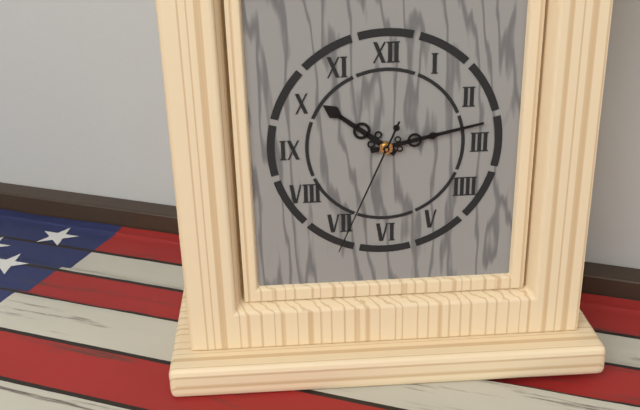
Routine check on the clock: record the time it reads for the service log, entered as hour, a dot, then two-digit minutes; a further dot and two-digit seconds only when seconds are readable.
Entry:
10.13.34
